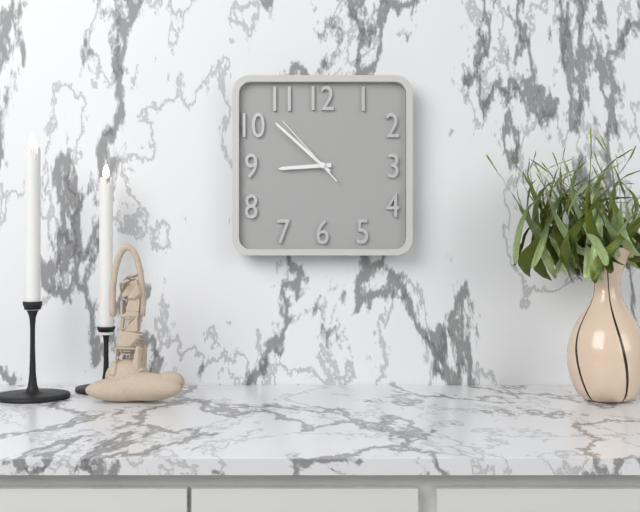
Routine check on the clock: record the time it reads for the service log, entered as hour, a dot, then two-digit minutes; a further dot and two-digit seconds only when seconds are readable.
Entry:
8.52.53
